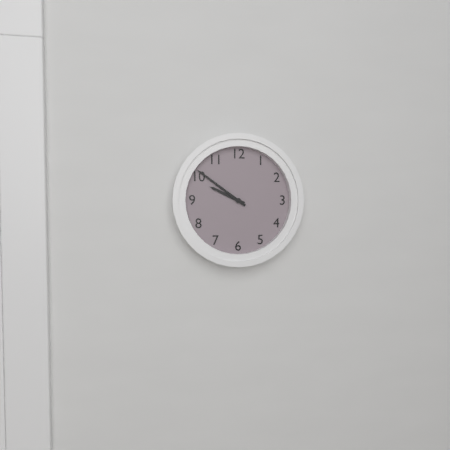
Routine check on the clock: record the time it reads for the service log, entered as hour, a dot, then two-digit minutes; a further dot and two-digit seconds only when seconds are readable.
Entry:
9.51
